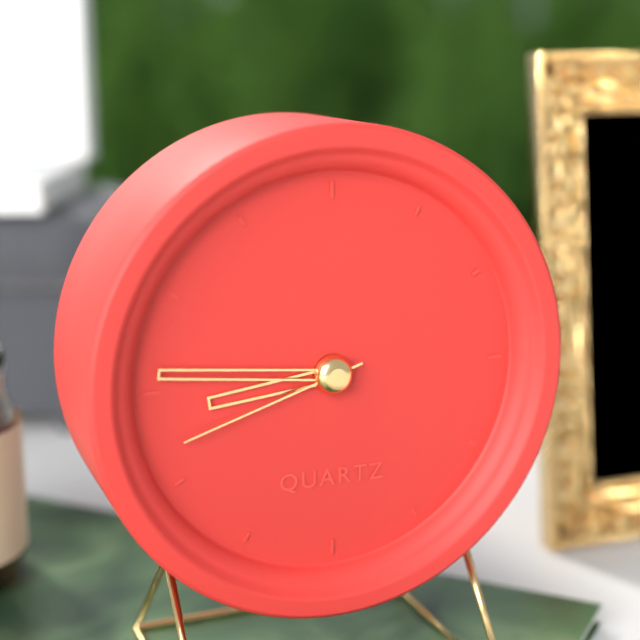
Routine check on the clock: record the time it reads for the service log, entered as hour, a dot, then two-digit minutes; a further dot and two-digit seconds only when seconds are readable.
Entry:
8.46.42
